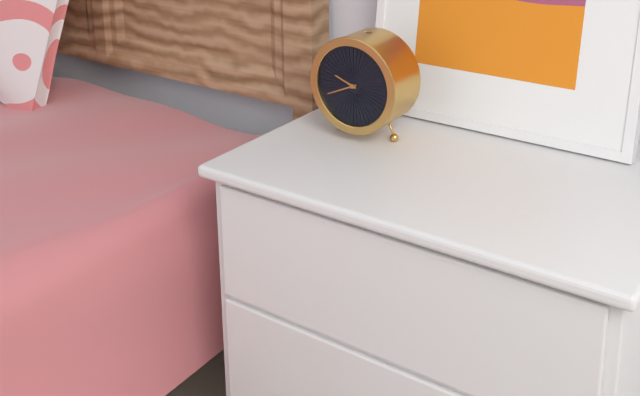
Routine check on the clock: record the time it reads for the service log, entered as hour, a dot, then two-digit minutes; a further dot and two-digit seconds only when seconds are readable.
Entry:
9.41
